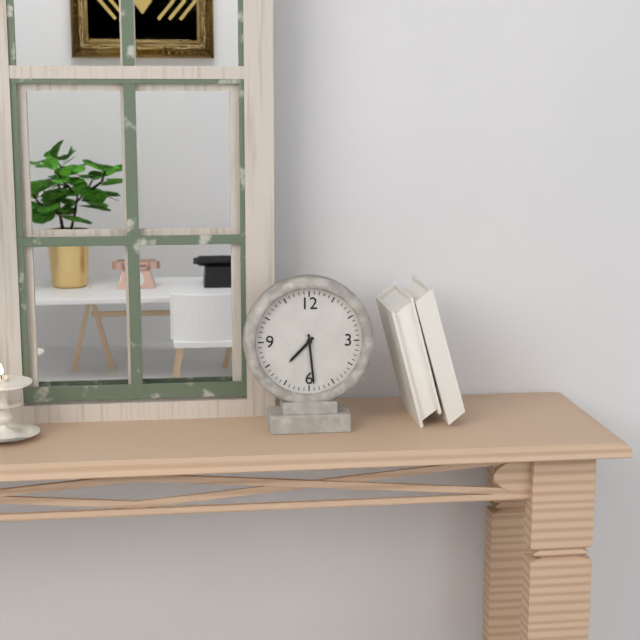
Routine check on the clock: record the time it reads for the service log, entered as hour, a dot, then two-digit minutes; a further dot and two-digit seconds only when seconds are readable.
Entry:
7.29
